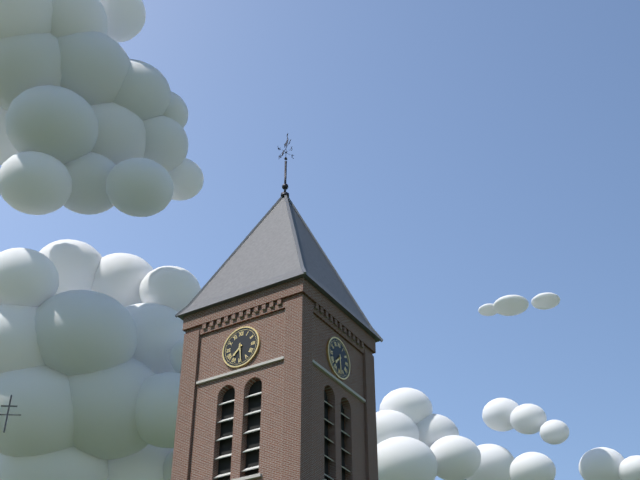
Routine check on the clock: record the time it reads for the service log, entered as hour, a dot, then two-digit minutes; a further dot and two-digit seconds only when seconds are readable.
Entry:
7.29
